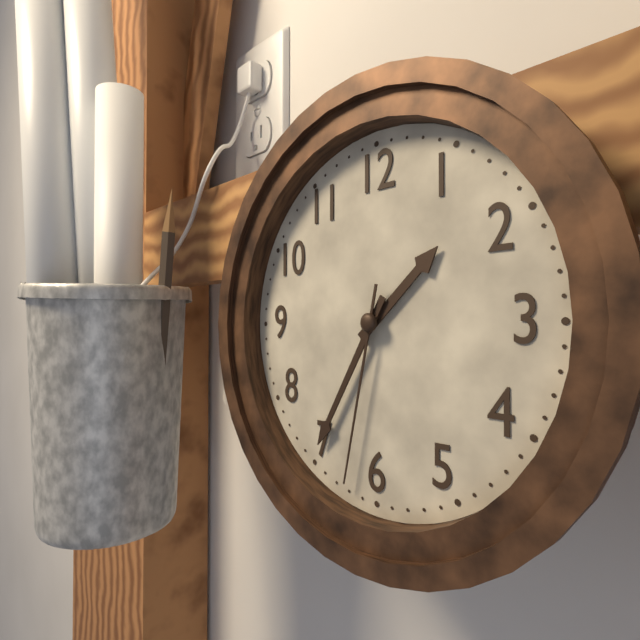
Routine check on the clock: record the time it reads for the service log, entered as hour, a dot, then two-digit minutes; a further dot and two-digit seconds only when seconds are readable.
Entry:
1.35.32
